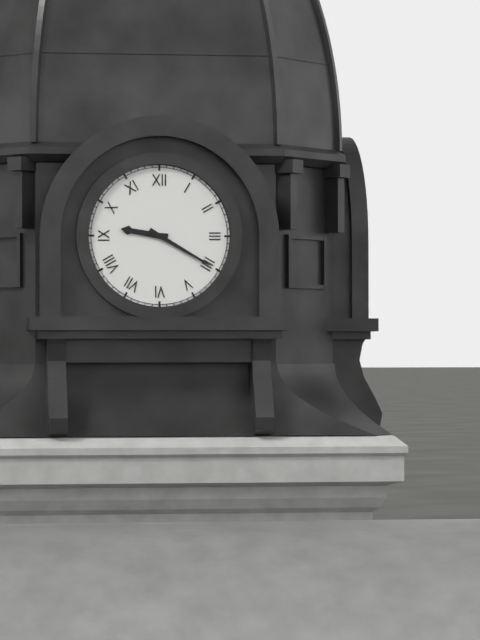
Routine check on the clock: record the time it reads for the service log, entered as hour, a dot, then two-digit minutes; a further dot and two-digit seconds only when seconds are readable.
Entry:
9.20
